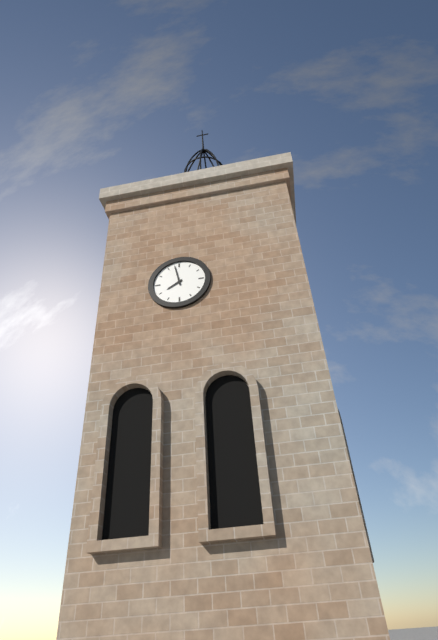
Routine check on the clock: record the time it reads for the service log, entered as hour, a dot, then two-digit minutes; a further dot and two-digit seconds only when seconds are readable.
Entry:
7.58
